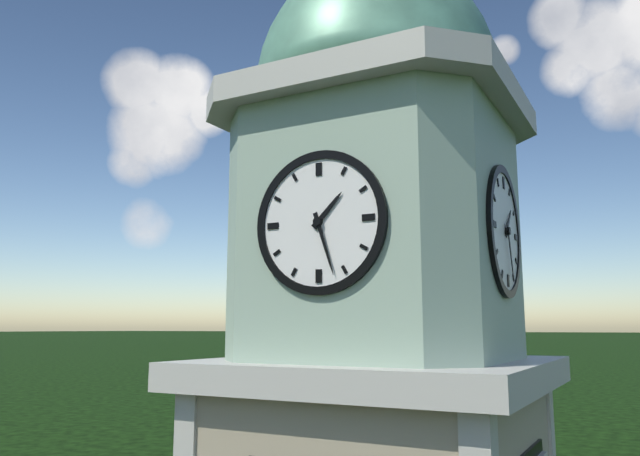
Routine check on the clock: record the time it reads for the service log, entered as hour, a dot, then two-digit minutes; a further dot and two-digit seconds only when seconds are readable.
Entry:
1.27
